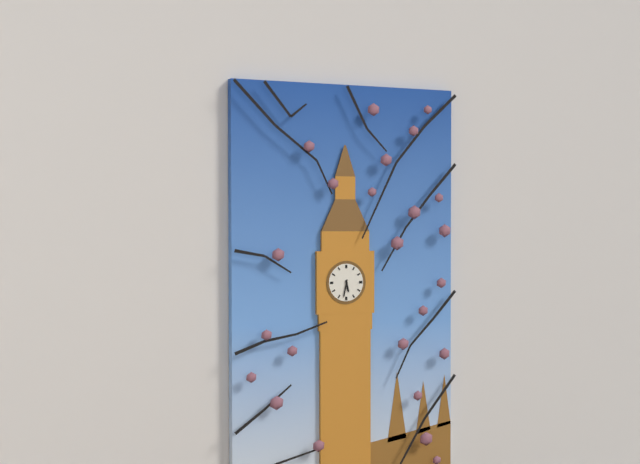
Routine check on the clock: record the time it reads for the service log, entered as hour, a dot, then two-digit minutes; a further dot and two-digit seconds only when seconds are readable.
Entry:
5.32
